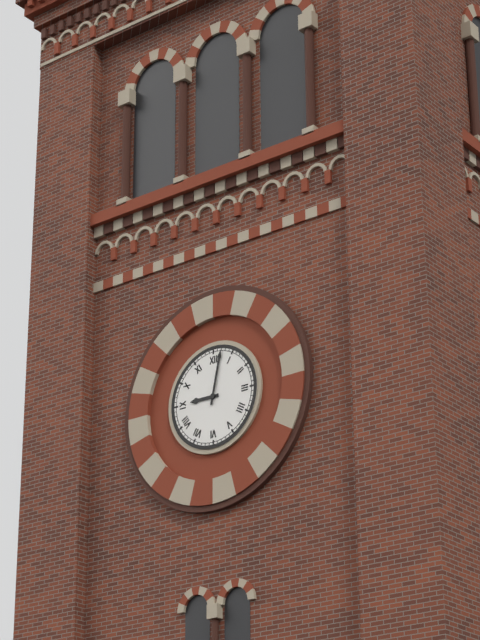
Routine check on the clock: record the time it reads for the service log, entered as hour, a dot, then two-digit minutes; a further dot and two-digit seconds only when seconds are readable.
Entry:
9.02
